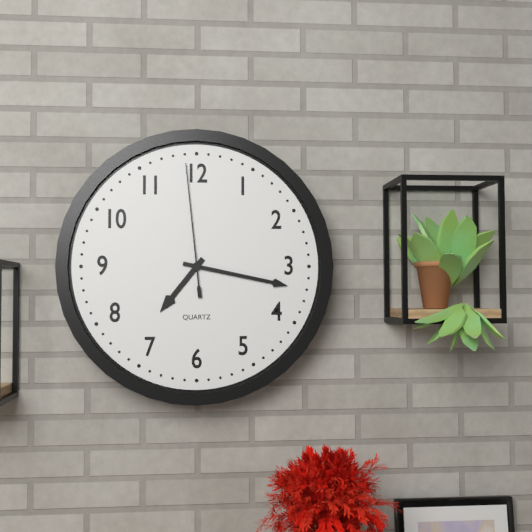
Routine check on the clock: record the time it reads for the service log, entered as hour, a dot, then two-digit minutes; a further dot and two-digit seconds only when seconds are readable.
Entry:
7.17.59
